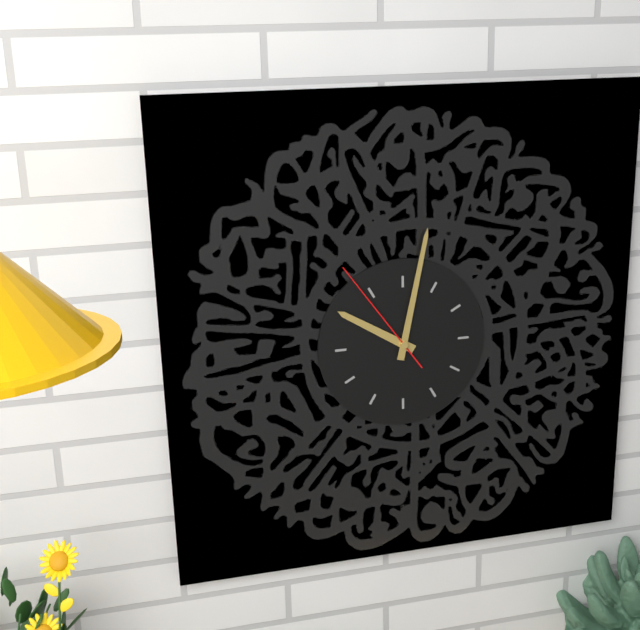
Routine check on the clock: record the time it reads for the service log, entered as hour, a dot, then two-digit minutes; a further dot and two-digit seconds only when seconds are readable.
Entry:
10.02.54
